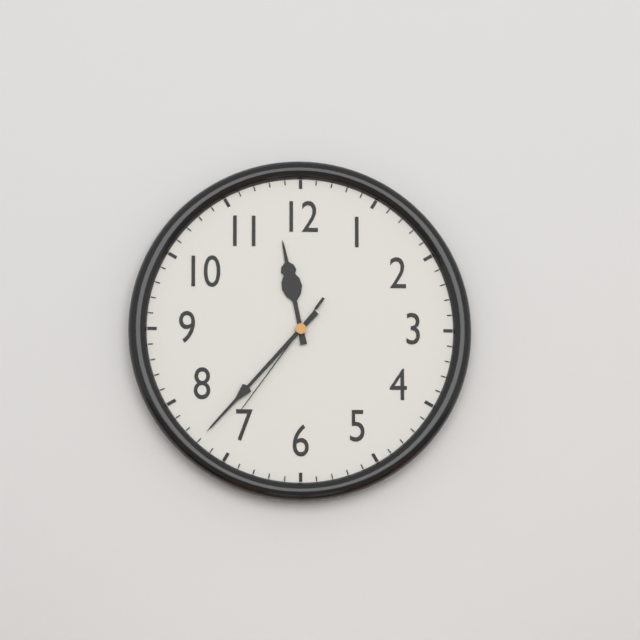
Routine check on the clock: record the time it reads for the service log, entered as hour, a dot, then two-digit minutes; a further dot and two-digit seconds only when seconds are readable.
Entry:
11.37.36
